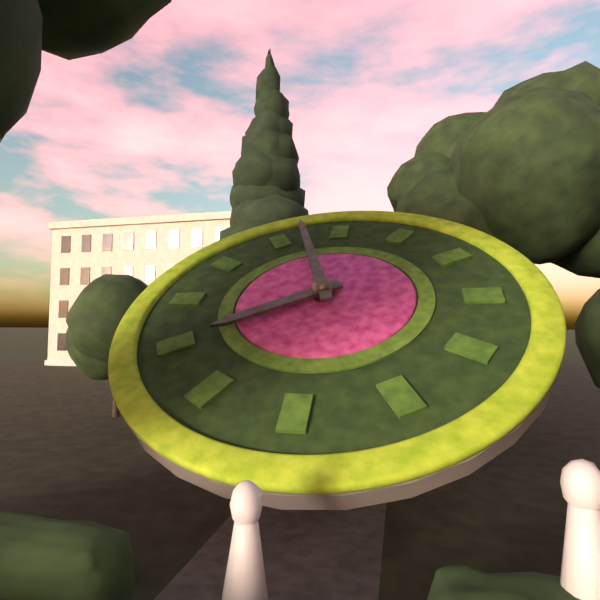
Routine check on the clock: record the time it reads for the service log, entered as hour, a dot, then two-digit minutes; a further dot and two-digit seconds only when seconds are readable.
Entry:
7.57
